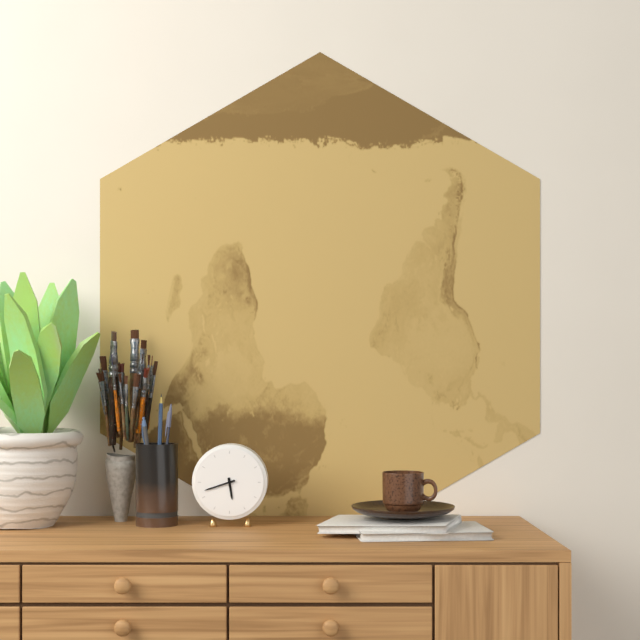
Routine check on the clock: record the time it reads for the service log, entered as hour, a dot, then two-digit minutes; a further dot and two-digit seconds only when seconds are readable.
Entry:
5.42
